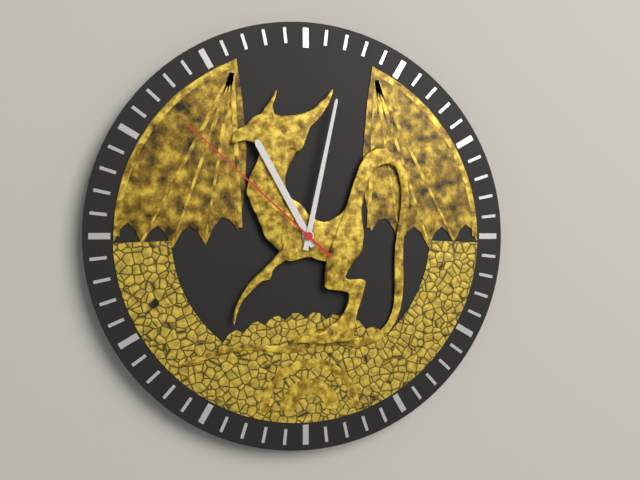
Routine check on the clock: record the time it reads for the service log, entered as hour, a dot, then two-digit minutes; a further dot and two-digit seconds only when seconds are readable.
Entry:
11.02.52
